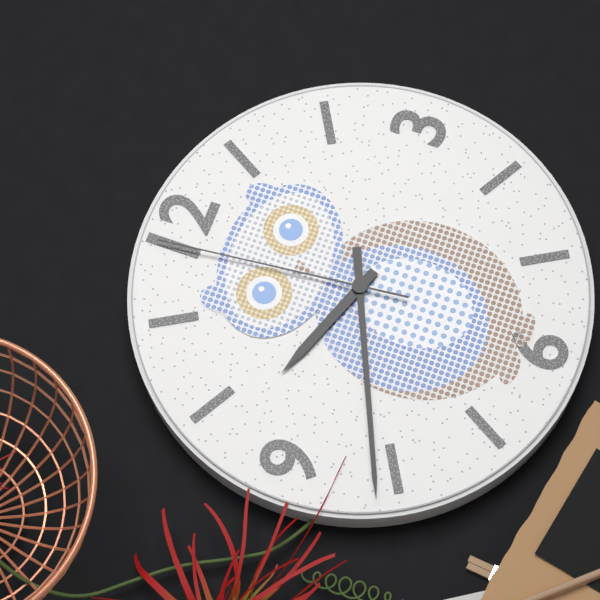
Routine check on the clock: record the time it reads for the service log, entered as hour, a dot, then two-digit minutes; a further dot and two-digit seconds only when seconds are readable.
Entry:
9.41.59
